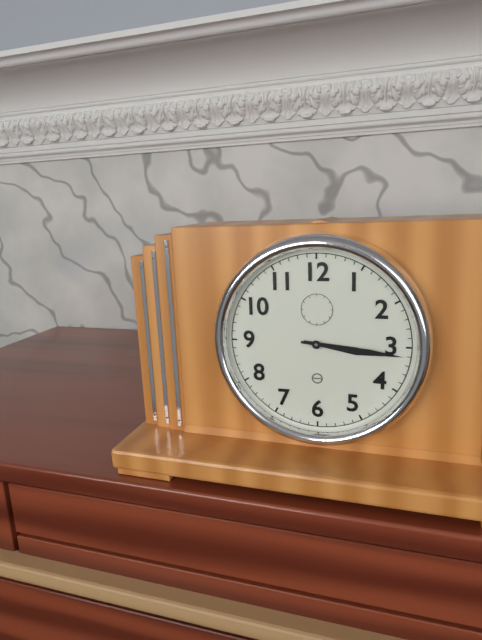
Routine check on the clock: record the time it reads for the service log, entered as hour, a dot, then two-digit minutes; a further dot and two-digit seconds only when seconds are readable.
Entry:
3.16
